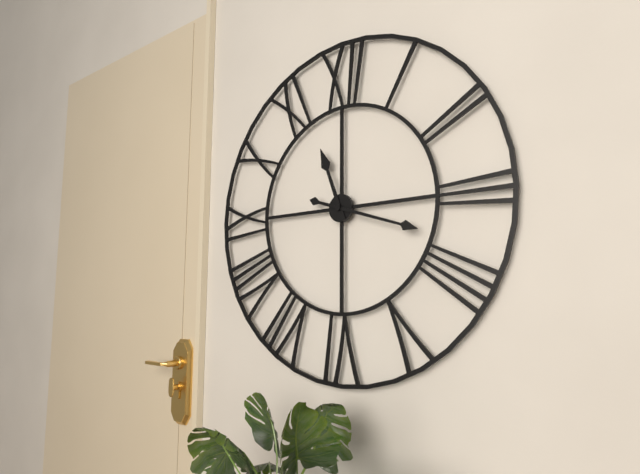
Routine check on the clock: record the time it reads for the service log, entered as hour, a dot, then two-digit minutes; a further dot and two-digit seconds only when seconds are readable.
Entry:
11.18
